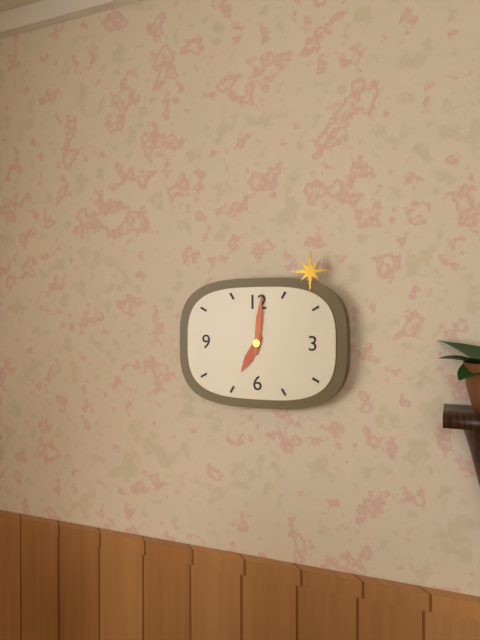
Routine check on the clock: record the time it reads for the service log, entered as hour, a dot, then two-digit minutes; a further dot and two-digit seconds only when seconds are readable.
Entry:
7.01
